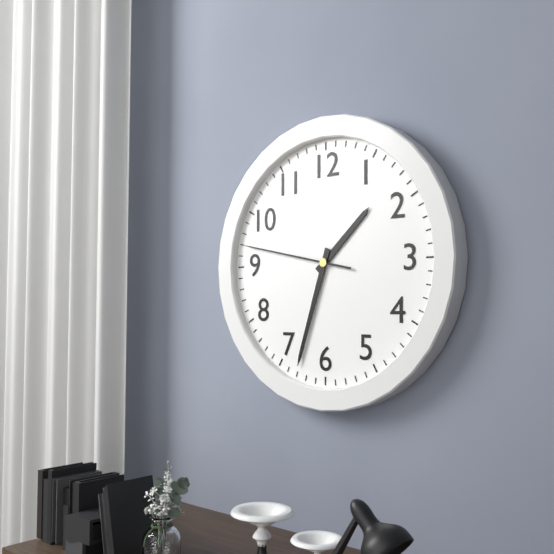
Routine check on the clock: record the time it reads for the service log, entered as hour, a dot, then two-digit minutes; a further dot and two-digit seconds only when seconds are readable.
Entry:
1.33.47
